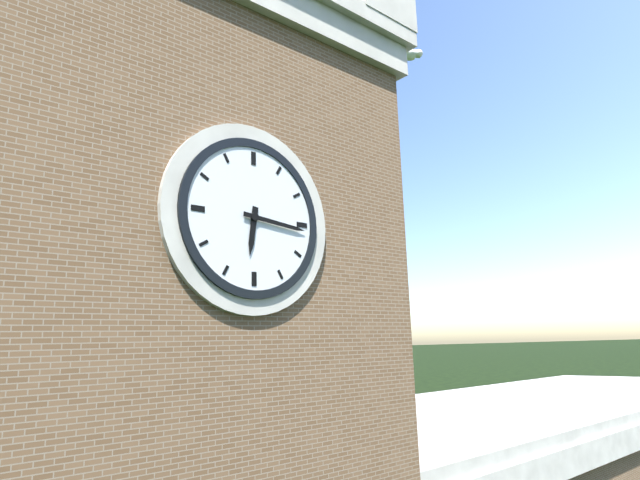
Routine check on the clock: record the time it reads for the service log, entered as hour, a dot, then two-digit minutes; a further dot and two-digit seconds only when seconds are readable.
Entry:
6.16
